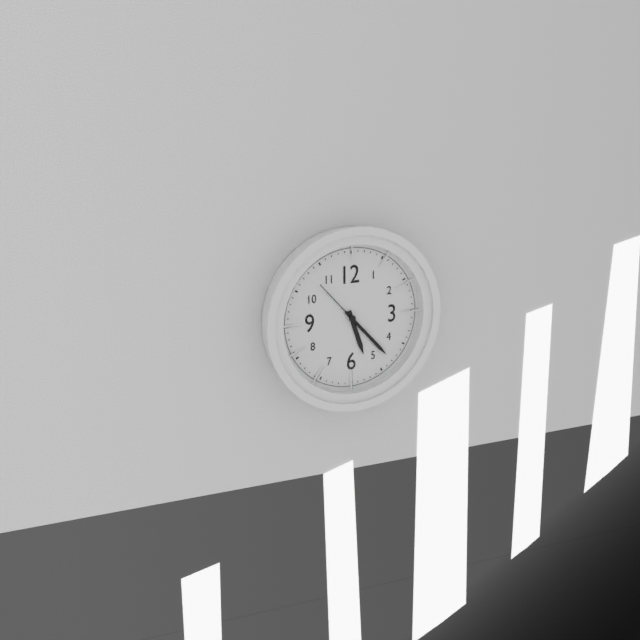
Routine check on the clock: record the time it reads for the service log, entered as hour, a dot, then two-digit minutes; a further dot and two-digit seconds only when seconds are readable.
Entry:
5.23.53
